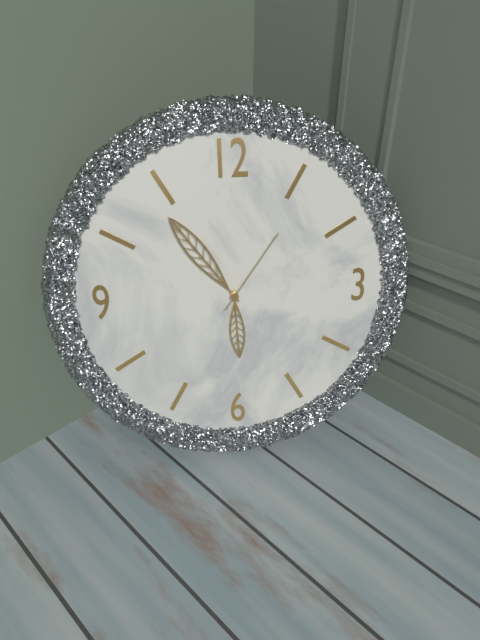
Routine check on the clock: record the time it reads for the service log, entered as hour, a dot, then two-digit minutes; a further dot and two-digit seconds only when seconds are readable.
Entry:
5.54.06
